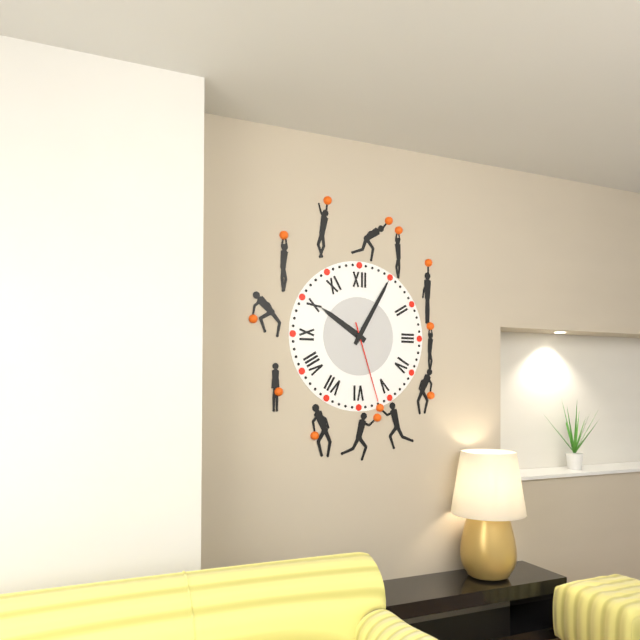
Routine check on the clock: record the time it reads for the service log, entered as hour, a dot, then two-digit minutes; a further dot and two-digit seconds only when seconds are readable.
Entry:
10.05.27
